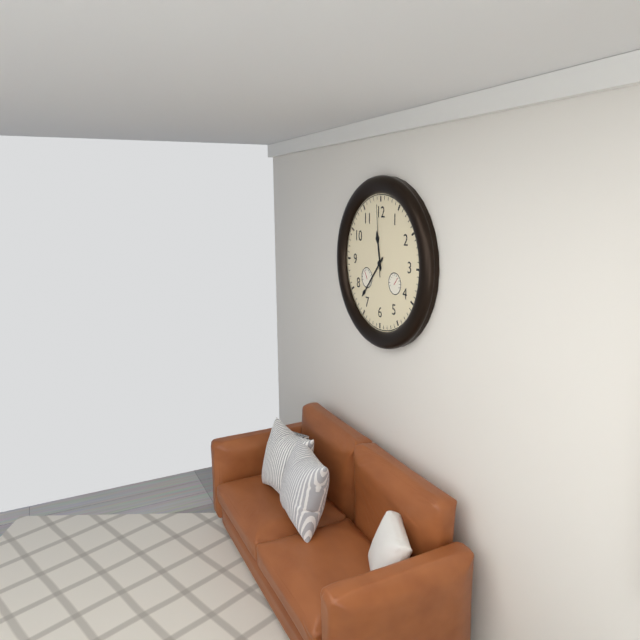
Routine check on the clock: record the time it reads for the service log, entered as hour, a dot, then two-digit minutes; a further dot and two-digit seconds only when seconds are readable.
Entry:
11.37.59
